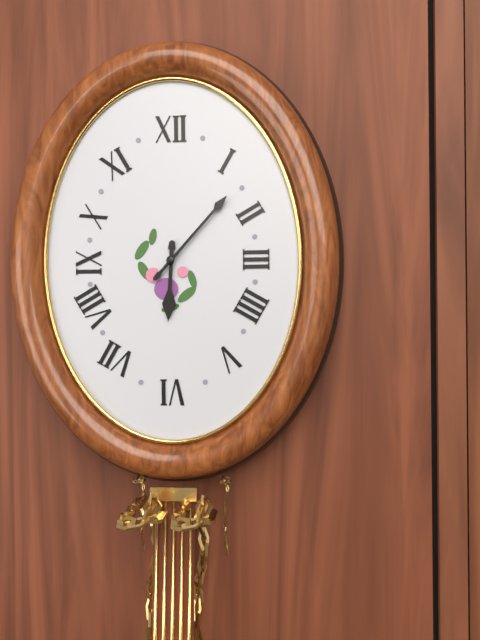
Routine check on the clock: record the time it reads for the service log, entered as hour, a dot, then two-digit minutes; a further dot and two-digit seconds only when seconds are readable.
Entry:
6.07
